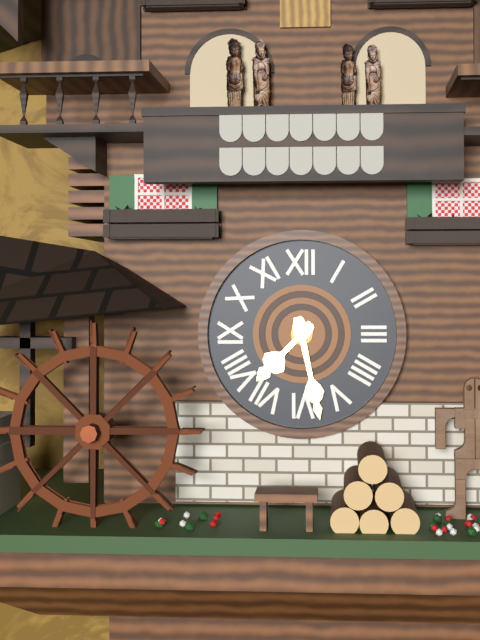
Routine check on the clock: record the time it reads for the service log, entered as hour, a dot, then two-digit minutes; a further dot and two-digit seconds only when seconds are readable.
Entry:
7.28
